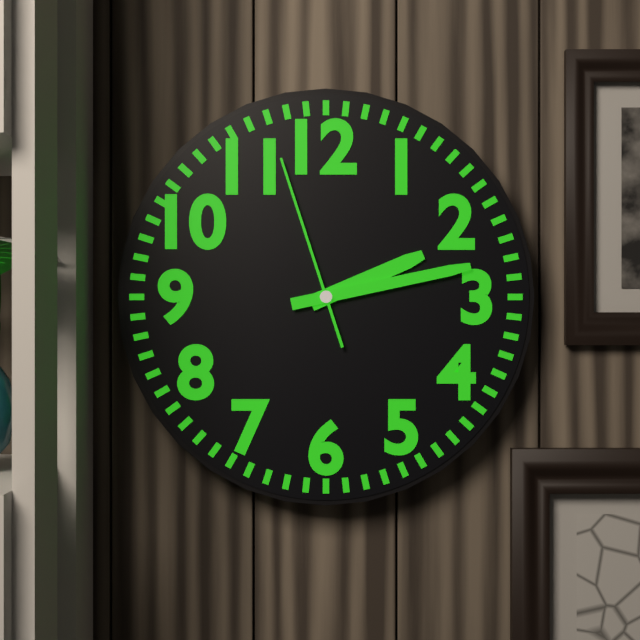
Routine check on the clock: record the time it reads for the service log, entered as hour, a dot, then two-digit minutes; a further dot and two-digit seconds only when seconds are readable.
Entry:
2.13.57
